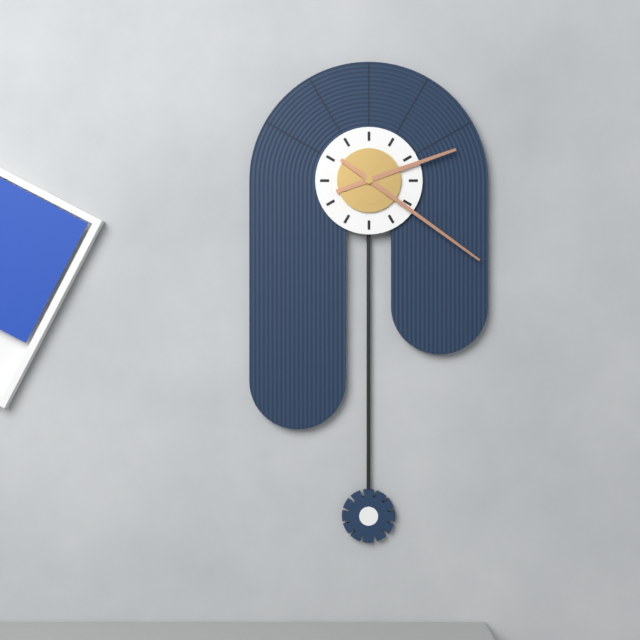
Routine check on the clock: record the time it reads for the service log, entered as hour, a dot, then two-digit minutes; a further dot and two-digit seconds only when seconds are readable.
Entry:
2.21
